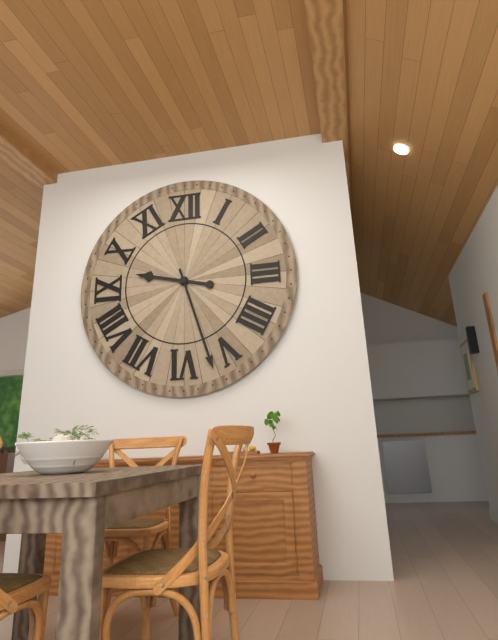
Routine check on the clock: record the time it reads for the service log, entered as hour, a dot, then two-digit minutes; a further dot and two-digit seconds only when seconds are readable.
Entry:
9.27
